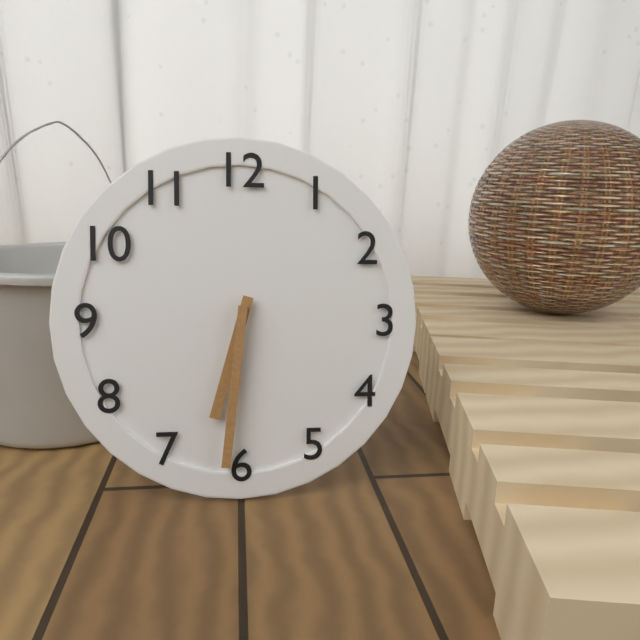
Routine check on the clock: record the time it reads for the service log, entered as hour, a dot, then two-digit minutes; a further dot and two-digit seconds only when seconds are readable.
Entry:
6.31
